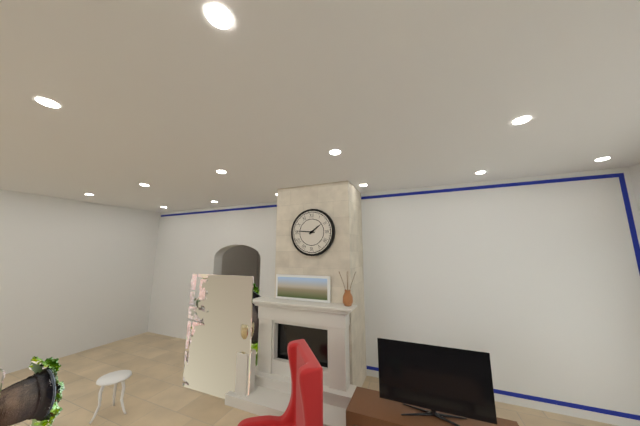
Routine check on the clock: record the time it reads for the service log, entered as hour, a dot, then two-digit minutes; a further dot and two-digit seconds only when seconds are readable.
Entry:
1.46
